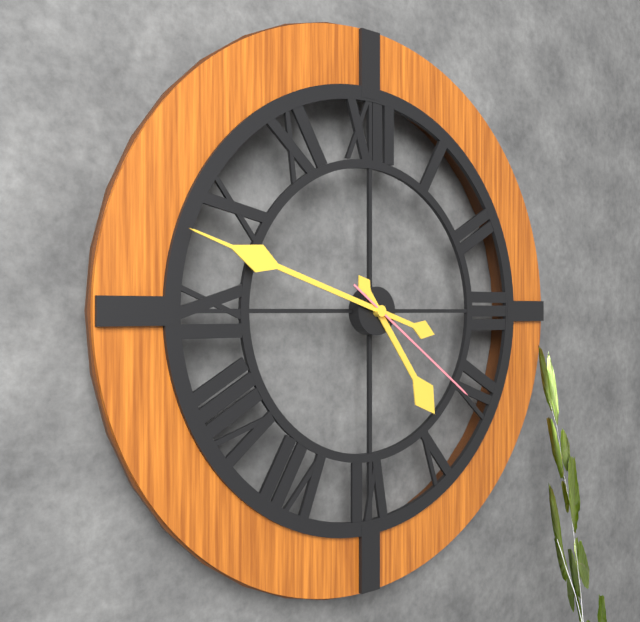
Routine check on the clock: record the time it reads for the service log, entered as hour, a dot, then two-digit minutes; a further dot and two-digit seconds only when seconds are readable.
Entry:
4.48.21
